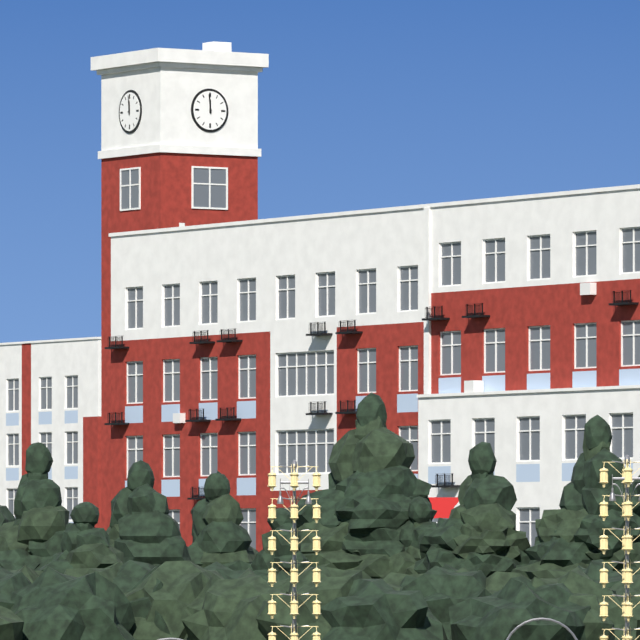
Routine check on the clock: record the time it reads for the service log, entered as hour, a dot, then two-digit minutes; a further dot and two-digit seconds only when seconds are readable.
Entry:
11.59
